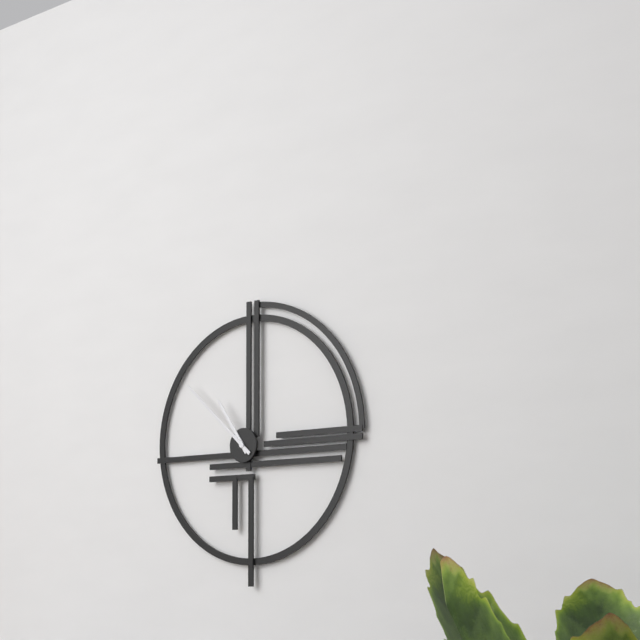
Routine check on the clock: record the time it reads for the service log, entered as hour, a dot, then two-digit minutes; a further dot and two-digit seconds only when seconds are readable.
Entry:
10.52
